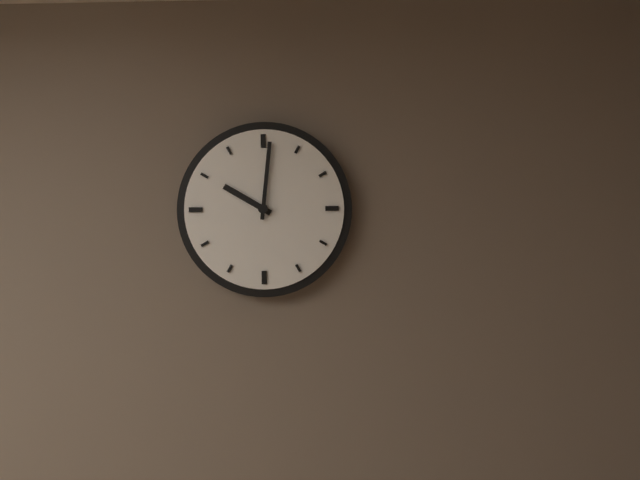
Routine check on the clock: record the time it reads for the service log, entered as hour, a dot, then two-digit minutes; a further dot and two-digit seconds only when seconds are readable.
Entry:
10.01
